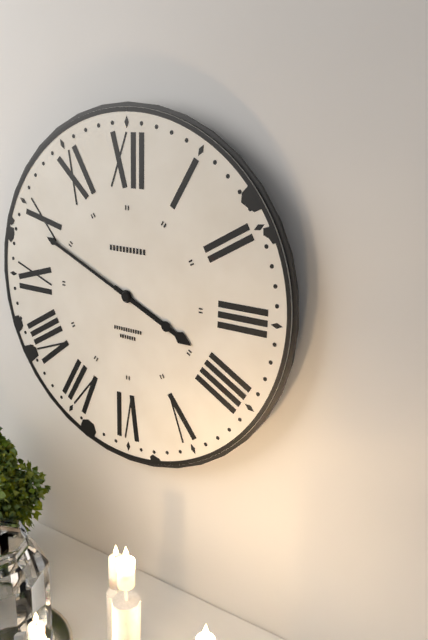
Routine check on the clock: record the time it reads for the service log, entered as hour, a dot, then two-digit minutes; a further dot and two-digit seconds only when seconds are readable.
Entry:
3.49
